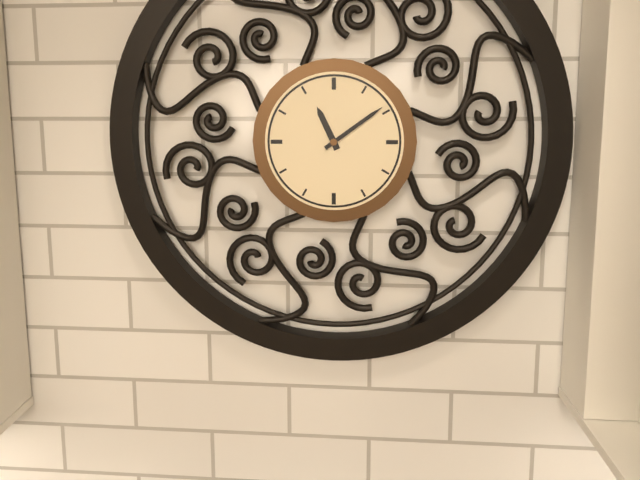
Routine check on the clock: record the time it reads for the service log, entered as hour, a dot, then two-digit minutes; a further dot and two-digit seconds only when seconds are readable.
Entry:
11.09
